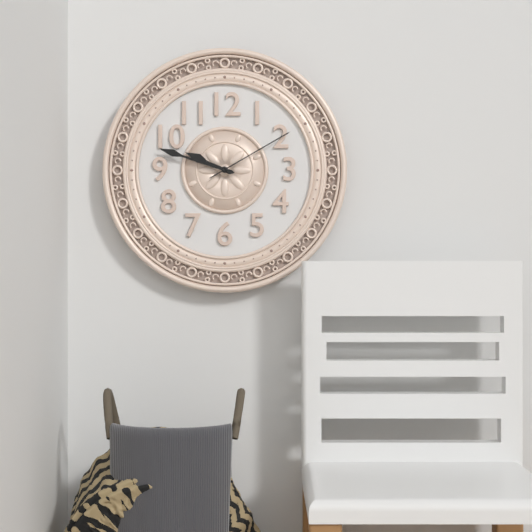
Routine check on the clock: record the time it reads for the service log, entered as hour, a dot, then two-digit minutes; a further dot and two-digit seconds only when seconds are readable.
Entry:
9.48.10
